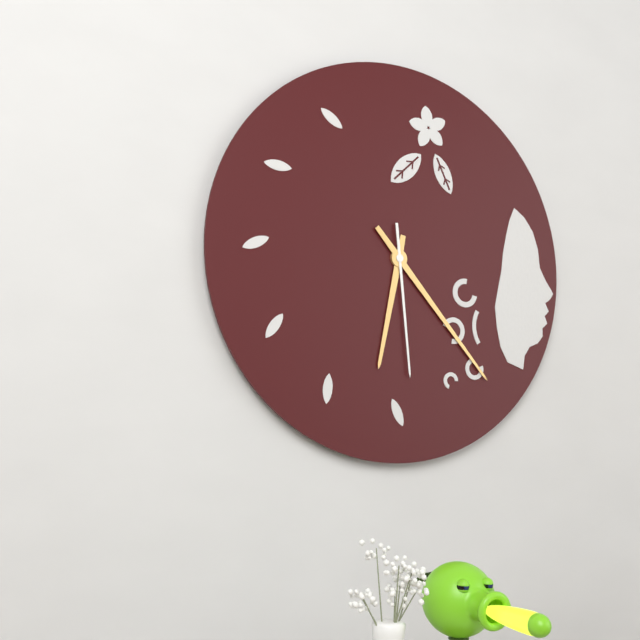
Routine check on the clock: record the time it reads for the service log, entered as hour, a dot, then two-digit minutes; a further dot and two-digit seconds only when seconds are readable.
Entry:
6.23.29
